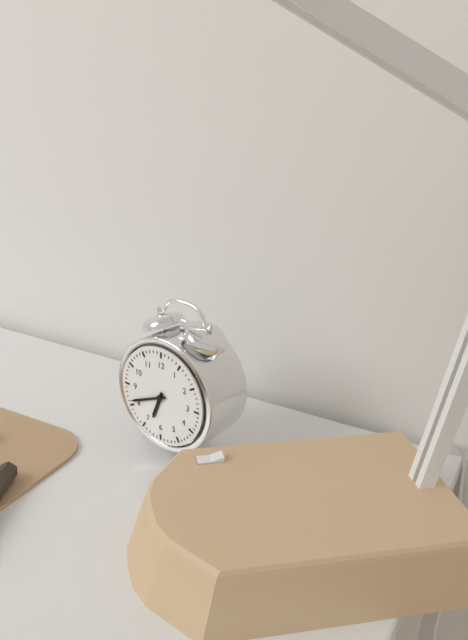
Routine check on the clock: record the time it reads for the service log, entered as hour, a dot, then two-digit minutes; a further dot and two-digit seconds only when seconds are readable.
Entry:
6.41
